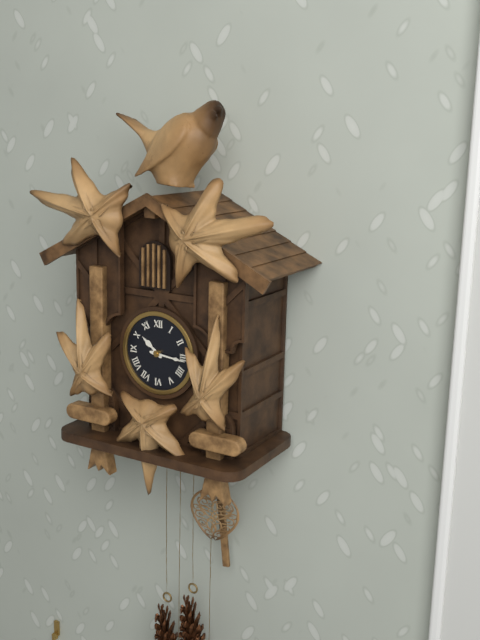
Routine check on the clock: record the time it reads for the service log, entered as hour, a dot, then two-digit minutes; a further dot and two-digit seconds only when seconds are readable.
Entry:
10.16
